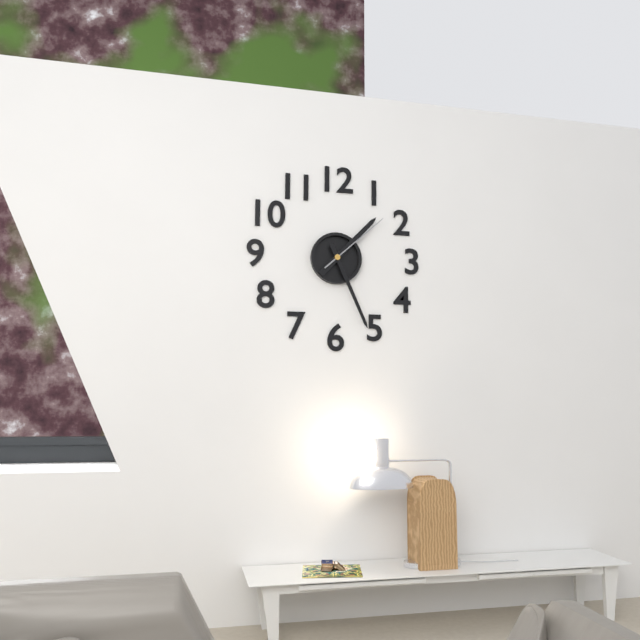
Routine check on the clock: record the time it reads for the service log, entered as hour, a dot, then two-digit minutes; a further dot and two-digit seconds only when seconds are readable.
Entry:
1.26.08
